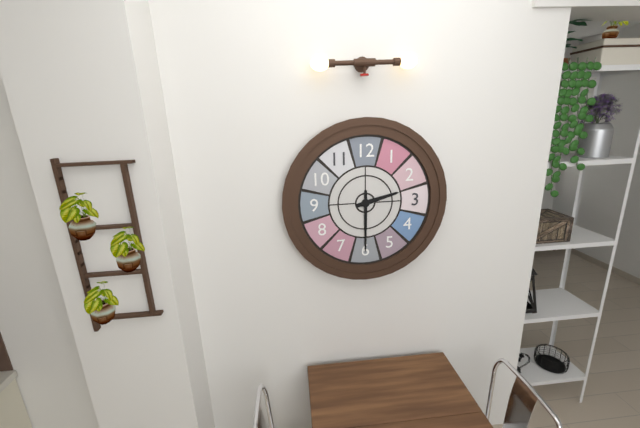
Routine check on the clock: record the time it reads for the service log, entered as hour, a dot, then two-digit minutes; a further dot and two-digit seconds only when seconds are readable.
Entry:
2.30
